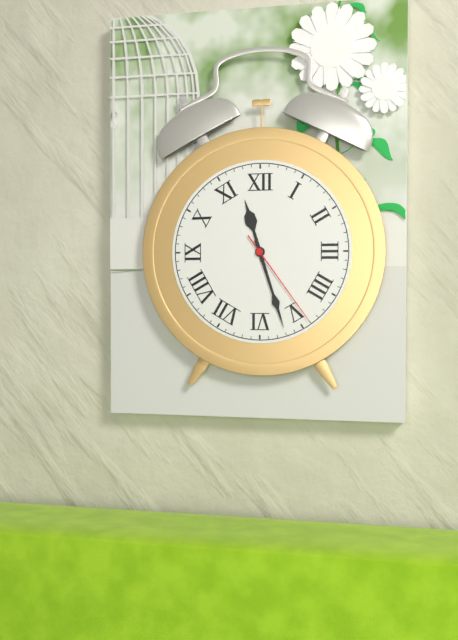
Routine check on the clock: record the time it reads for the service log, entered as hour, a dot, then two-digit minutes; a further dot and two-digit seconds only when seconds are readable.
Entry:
11.27.24
